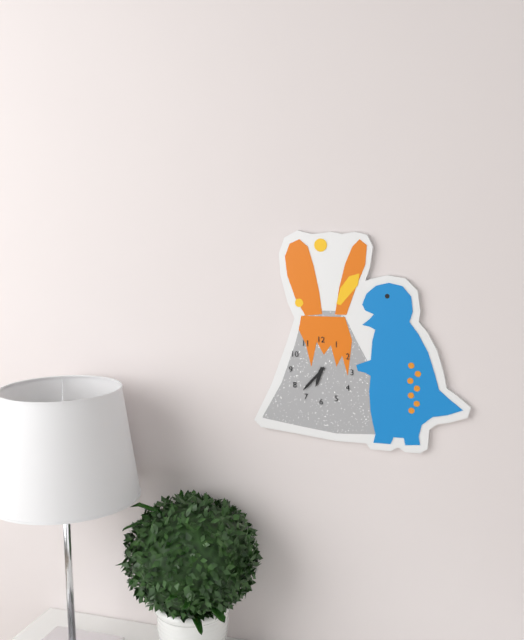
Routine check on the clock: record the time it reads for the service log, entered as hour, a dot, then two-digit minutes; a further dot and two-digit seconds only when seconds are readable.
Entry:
6.37
